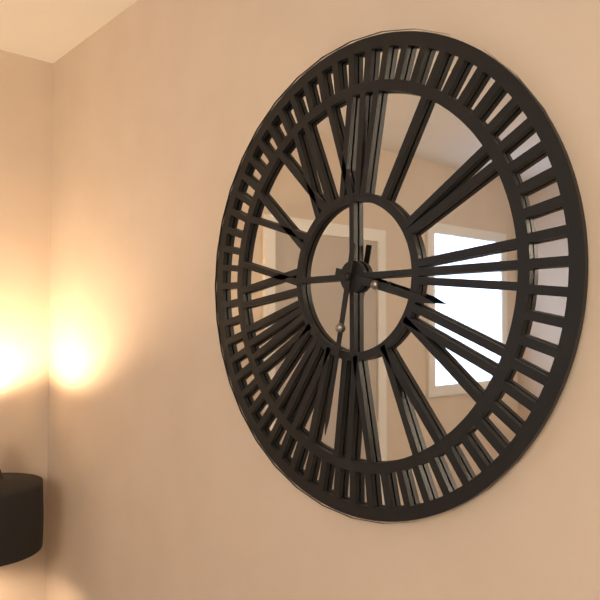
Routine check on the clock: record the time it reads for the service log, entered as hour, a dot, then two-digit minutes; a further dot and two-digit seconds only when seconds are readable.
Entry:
3.32
